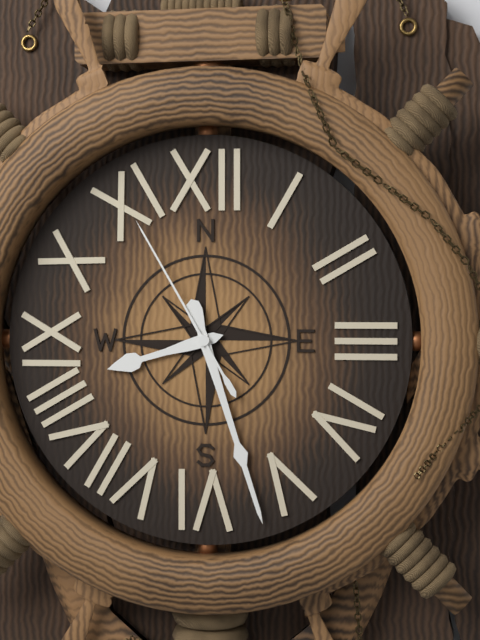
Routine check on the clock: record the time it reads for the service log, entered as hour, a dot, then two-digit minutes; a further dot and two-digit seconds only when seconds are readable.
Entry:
8.27.55
